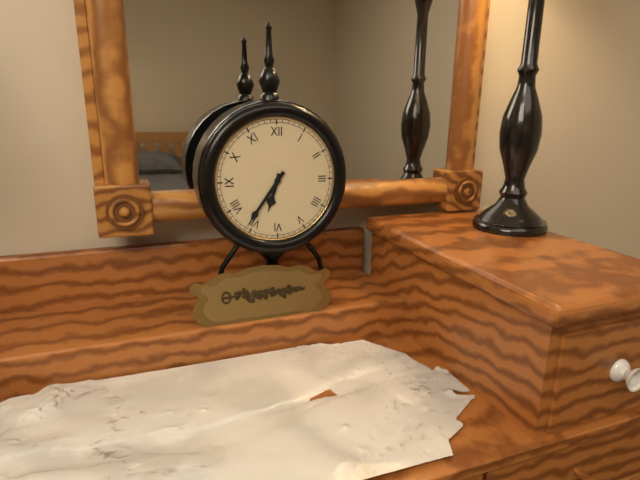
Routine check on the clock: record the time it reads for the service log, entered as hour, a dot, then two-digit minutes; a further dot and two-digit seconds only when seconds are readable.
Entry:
6.36
